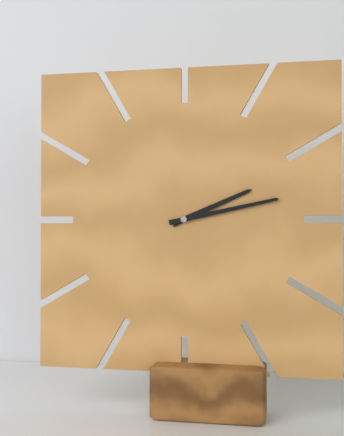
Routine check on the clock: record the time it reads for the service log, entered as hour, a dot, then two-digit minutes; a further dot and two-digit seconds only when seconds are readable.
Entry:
2.13
